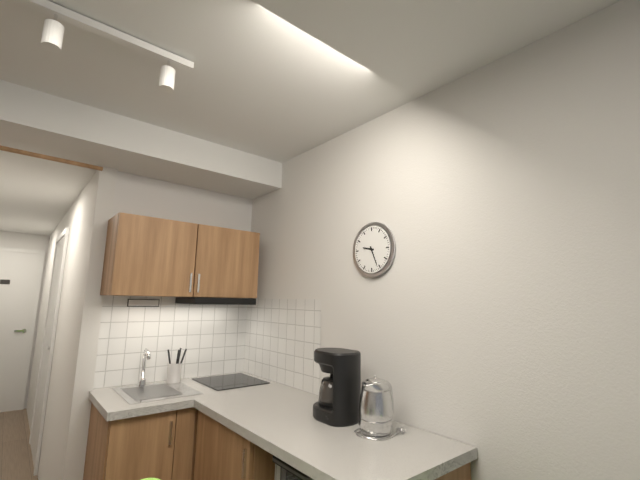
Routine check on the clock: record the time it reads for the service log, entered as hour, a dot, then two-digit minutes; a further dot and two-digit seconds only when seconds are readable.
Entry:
9.26
